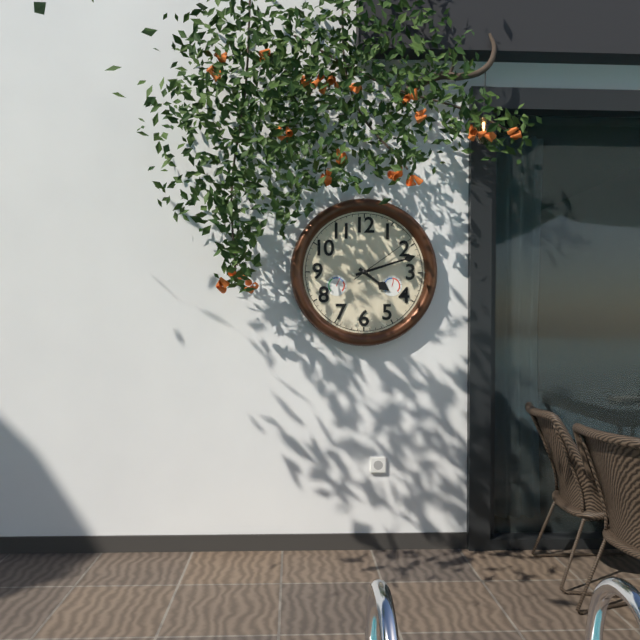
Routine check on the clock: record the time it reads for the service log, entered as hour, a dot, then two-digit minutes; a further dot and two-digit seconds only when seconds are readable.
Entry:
4.12.09
